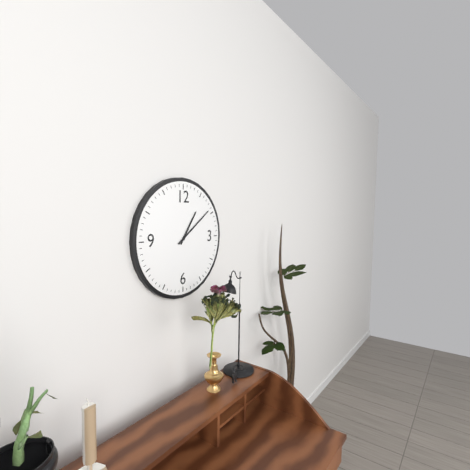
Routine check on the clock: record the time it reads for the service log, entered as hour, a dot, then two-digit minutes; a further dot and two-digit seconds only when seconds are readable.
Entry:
1.09
